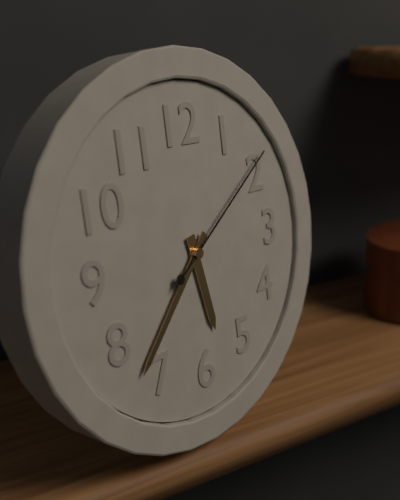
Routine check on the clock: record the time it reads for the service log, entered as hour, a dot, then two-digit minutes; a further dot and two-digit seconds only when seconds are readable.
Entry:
5.37.09
